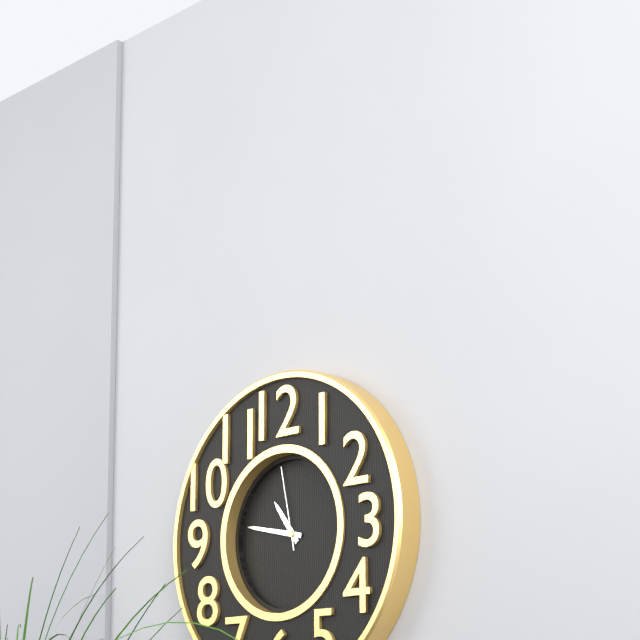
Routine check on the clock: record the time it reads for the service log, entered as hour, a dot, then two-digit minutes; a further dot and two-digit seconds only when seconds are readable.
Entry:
10.47.58
